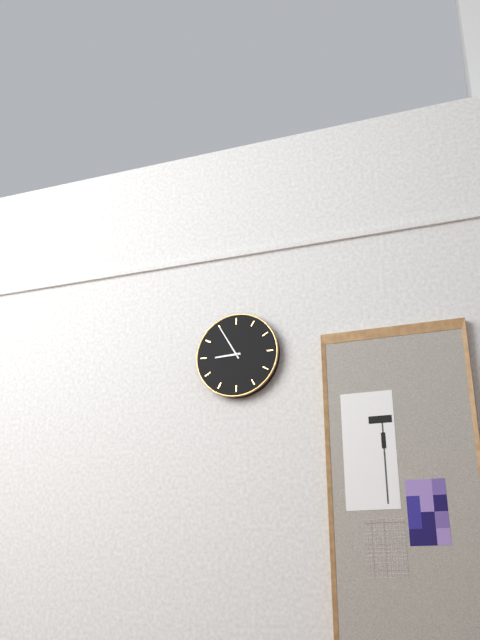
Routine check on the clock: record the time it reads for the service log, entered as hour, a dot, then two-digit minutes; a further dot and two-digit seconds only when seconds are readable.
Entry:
8.55
